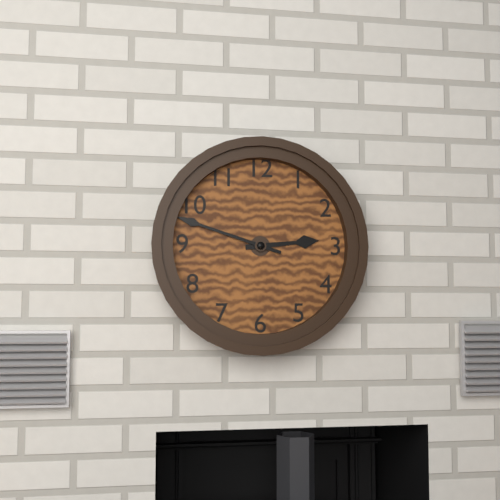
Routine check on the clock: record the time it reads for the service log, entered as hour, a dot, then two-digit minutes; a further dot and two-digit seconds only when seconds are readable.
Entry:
2.48
